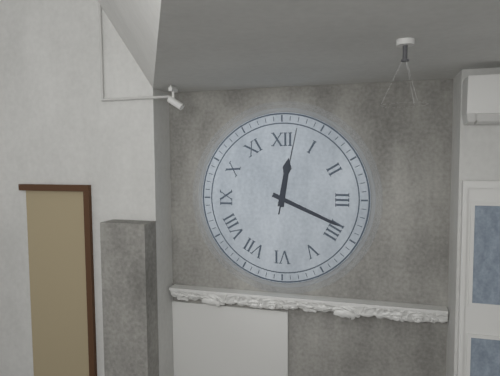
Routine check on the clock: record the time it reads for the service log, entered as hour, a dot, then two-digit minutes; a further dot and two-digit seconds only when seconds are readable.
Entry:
12.19.02
